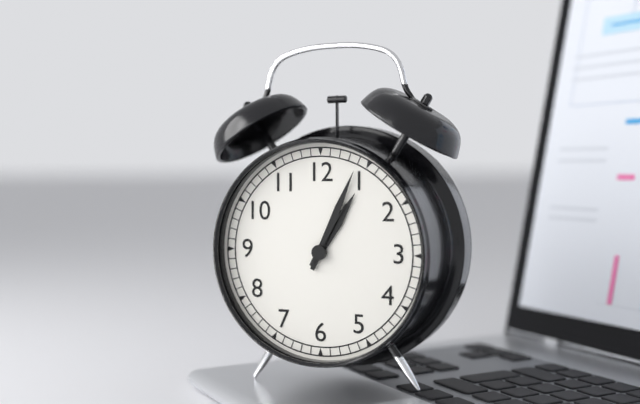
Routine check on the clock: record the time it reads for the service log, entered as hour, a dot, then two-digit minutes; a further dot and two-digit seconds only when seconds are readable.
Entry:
1.04.05
